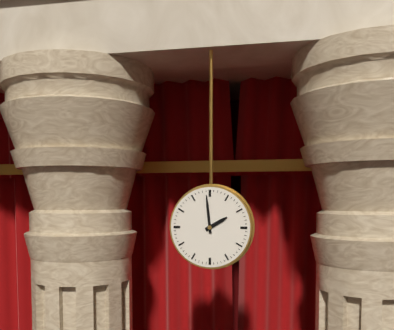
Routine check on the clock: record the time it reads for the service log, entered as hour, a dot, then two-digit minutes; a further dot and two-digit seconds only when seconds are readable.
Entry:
1.59
